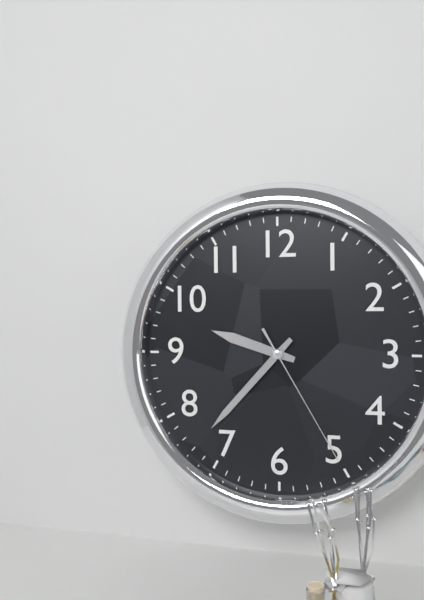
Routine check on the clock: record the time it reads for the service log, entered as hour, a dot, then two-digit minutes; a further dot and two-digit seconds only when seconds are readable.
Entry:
9.37.25
